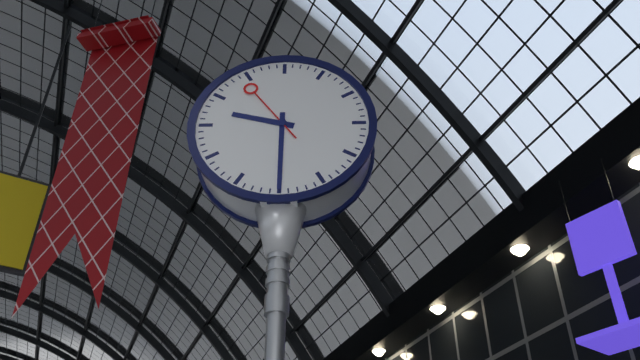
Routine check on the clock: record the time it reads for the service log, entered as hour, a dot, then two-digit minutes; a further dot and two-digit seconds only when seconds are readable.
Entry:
9.30.54
